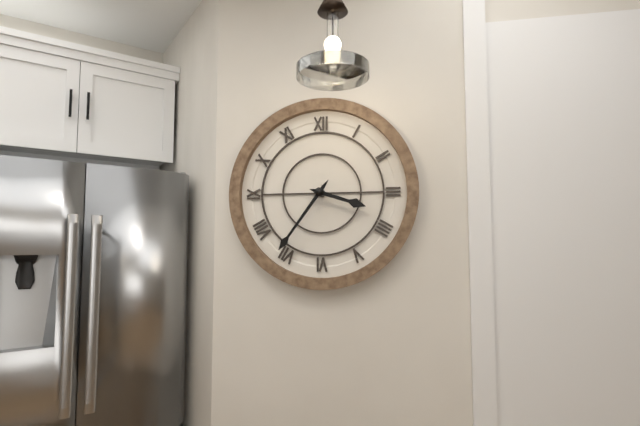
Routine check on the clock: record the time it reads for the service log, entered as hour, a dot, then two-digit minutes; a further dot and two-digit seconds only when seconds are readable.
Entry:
3.36
